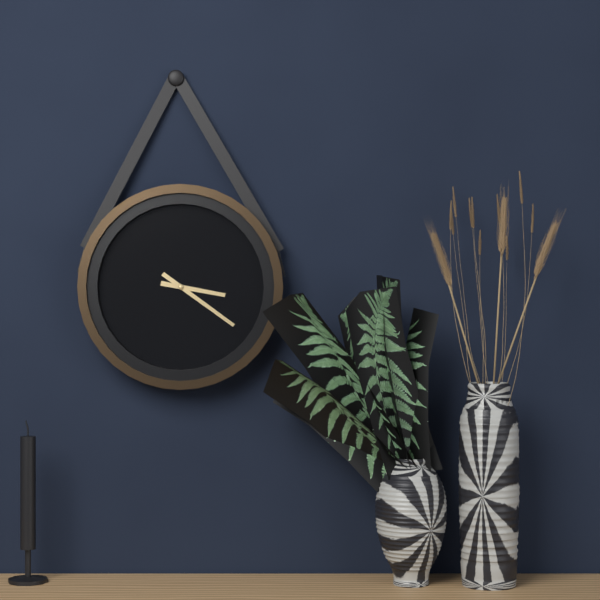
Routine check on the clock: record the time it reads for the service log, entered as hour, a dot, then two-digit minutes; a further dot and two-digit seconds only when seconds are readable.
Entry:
3.21
